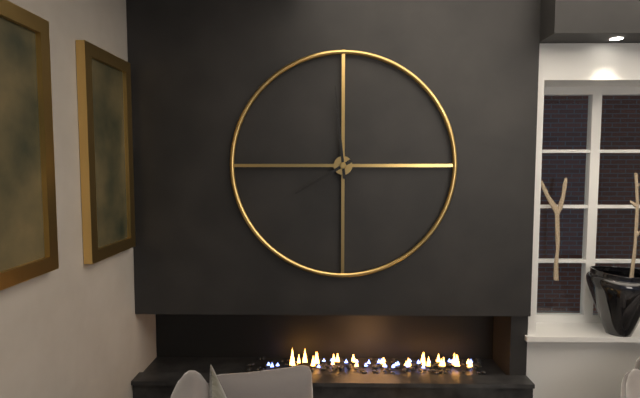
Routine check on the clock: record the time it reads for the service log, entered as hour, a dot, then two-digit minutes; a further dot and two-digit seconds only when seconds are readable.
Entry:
7.59
